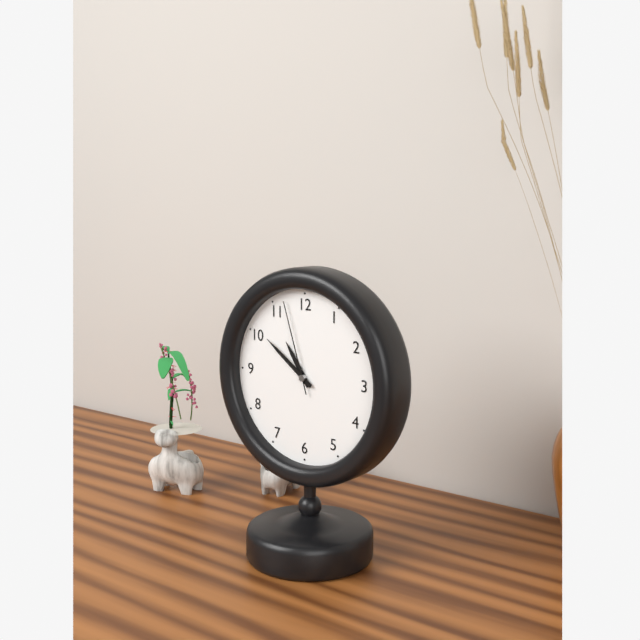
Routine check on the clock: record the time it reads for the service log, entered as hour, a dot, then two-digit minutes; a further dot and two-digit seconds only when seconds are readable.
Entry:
10.51.57
